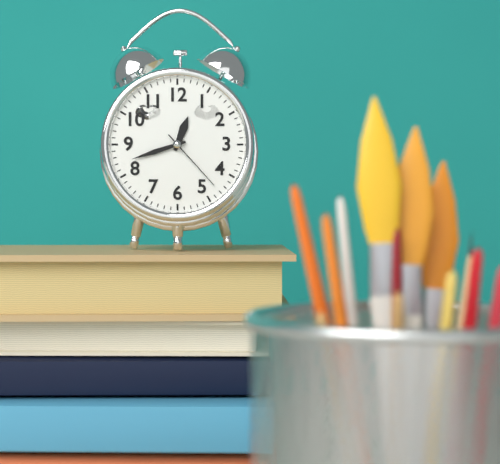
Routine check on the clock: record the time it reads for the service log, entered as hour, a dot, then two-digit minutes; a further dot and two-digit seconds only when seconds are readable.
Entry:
12.42.23
